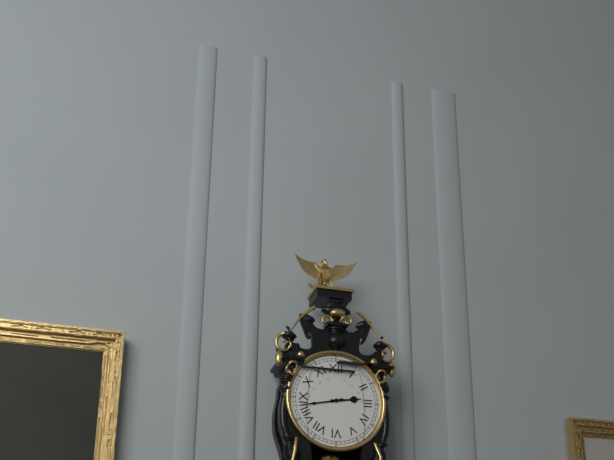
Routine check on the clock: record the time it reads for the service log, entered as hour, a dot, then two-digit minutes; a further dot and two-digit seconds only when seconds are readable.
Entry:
2.43
